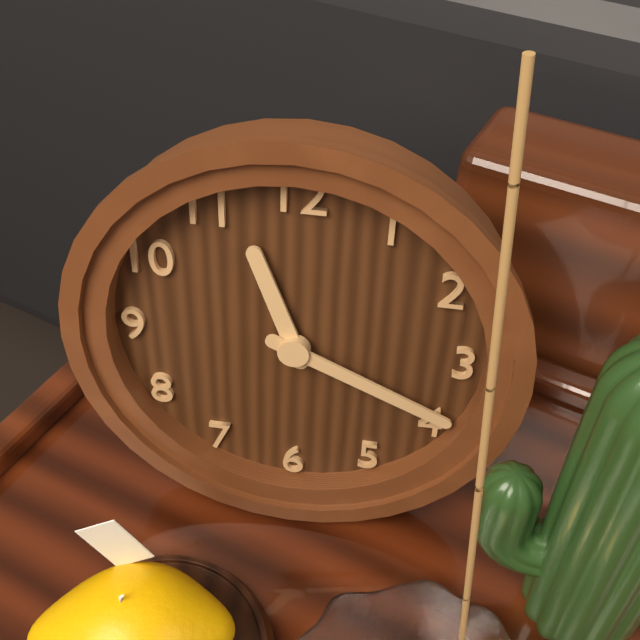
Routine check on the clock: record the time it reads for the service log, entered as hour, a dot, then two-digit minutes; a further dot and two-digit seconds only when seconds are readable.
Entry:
11.19
